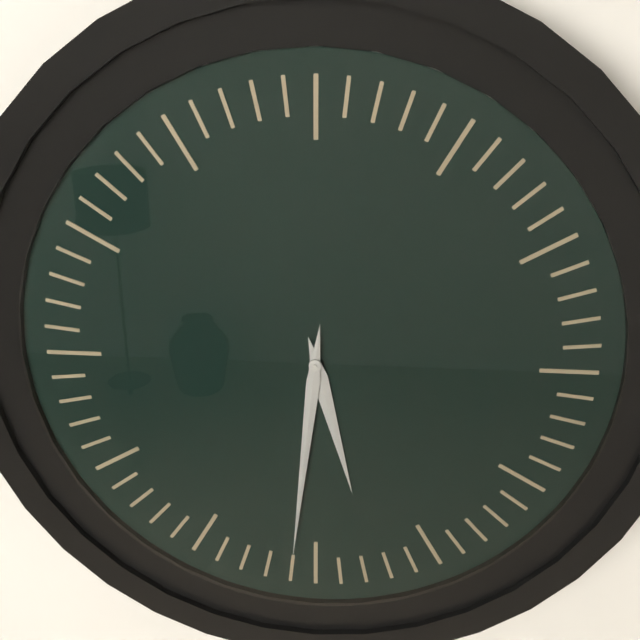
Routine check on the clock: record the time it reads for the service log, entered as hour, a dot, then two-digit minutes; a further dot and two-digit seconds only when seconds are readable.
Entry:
5.31
